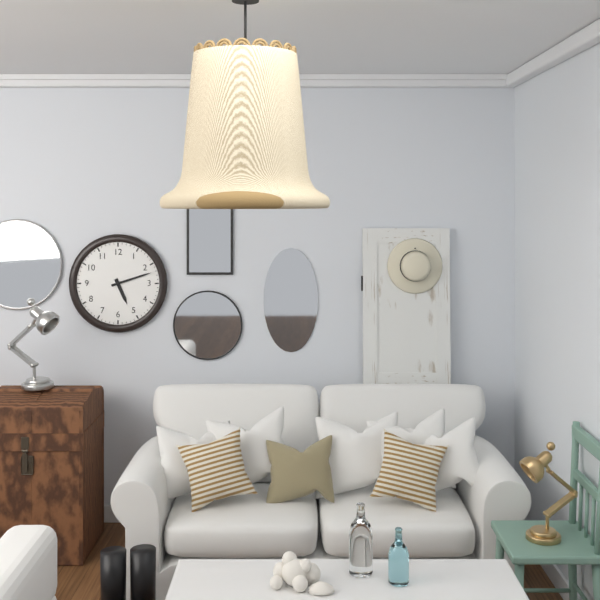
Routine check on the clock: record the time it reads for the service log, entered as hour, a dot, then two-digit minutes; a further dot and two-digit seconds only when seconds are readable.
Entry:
5.12
